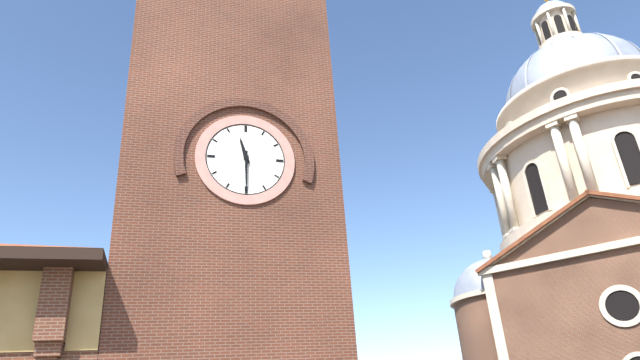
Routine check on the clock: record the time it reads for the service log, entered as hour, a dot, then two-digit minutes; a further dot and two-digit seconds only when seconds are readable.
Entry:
11.30
